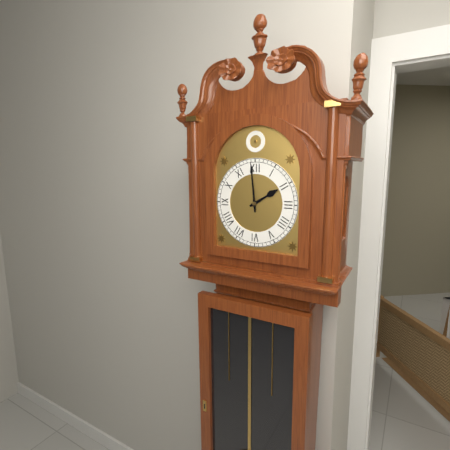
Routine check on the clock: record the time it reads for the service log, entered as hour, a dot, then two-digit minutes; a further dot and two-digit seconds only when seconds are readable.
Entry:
1.59
